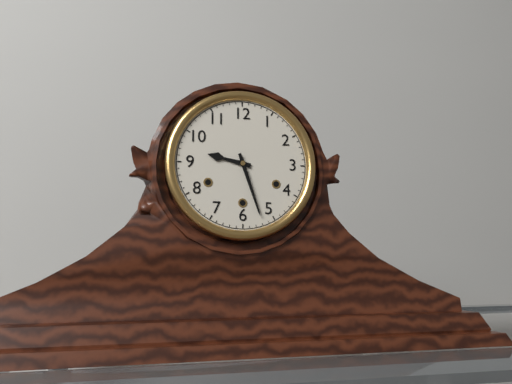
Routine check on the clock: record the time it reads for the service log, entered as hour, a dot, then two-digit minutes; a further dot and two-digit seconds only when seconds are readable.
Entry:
9.27
